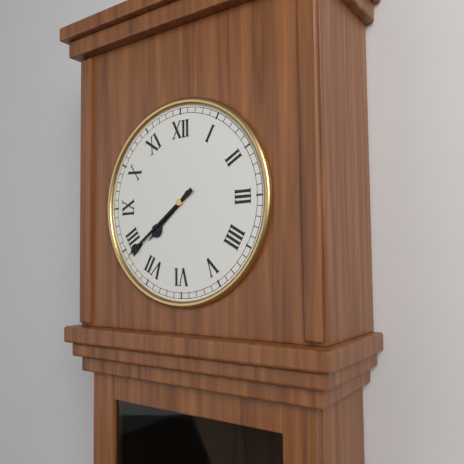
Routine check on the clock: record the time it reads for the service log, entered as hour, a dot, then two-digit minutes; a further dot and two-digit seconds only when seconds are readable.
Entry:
7.39
